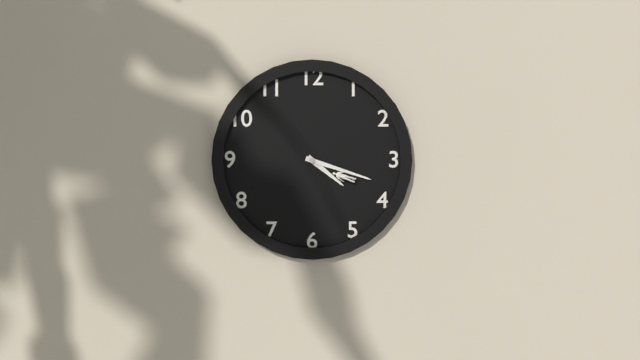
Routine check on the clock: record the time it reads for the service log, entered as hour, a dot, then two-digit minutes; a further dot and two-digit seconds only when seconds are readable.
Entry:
4.18
